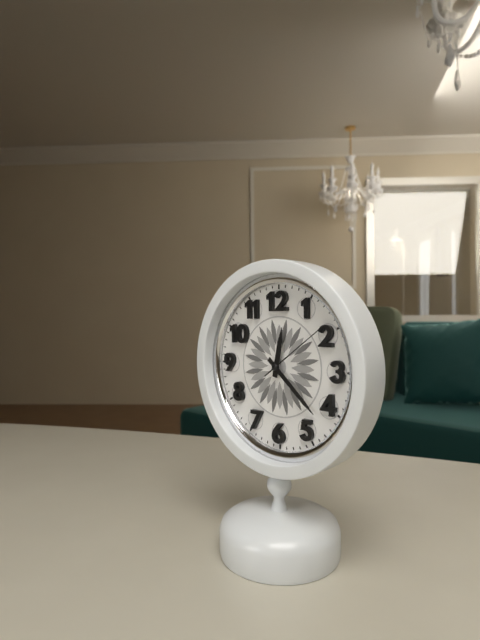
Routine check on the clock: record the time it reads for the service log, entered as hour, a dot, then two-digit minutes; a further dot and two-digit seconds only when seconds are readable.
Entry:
12.22.09
